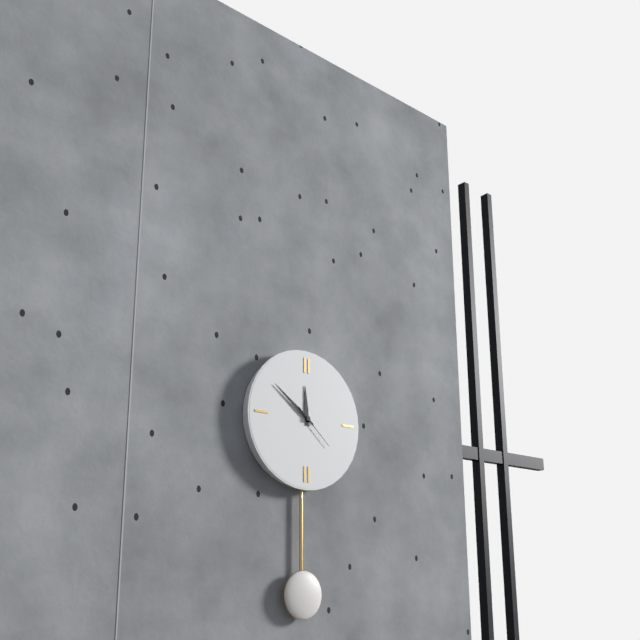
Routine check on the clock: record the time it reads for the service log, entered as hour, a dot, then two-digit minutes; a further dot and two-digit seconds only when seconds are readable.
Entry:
11.51
